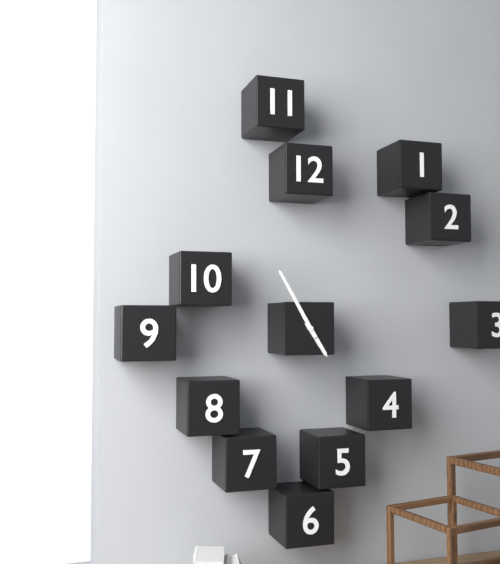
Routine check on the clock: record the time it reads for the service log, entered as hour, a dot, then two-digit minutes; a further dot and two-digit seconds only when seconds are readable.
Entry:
4.55
